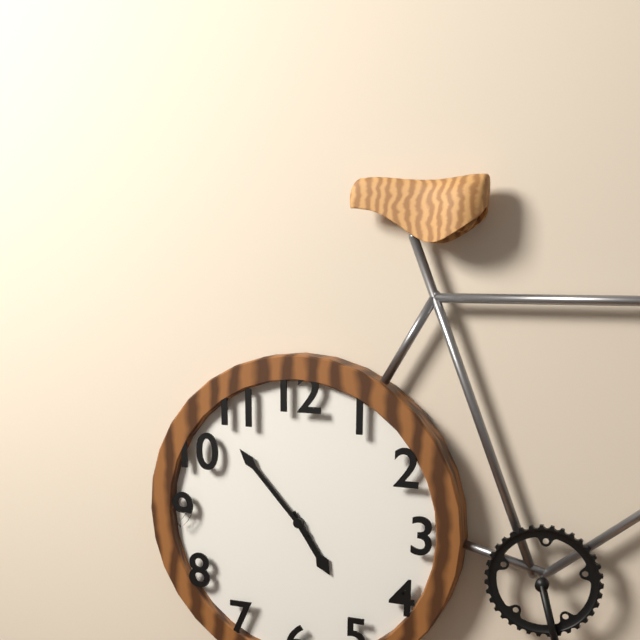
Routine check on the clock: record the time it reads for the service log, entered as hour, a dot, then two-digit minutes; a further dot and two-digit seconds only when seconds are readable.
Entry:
4.53
